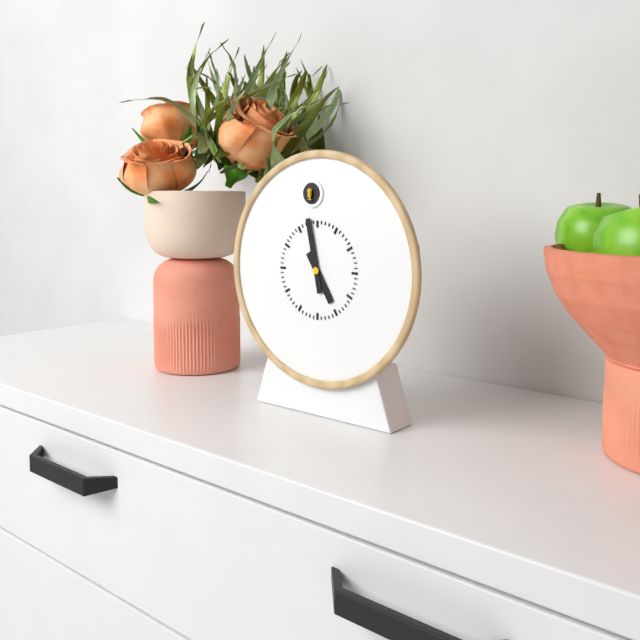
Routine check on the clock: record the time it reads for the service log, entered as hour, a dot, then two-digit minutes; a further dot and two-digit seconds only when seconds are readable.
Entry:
4.58
